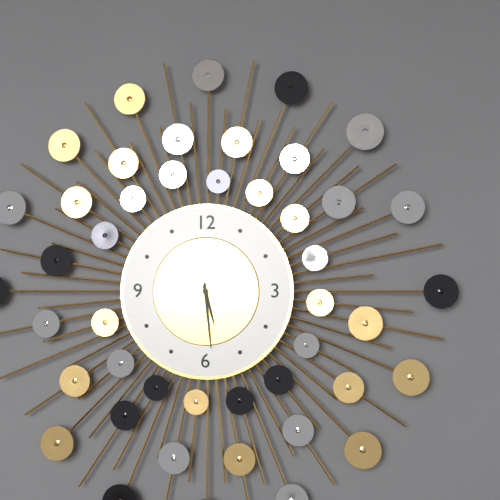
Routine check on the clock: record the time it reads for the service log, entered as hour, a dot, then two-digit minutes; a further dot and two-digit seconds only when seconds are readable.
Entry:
5.29
